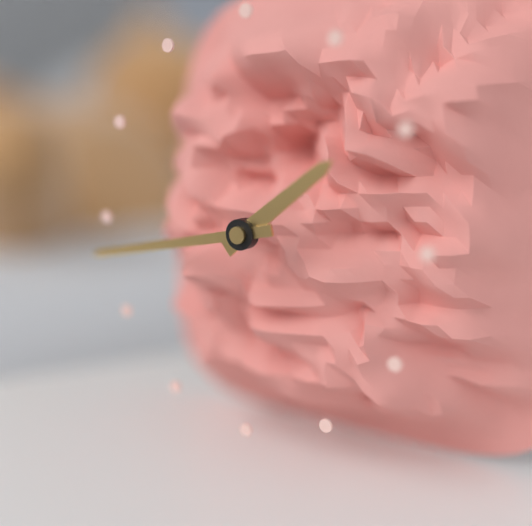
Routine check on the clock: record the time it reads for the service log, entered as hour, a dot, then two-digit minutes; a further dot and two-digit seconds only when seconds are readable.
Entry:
1.43
